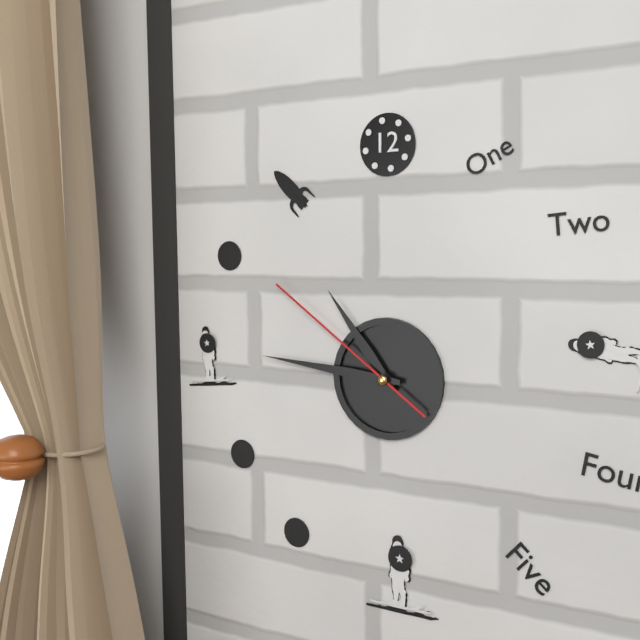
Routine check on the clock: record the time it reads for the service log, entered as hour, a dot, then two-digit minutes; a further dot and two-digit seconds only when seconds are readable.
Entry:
10.46.51
